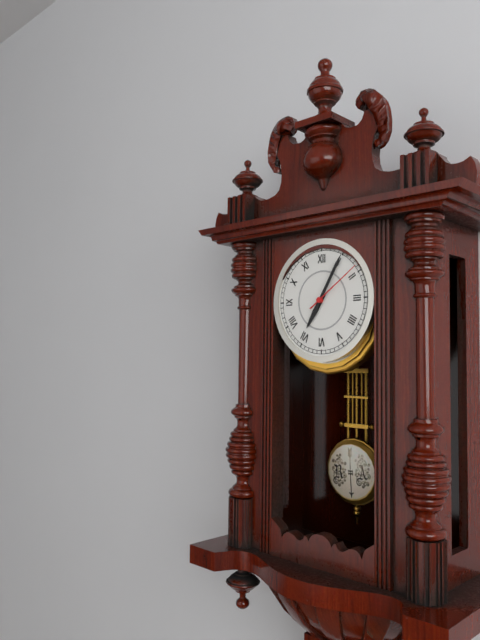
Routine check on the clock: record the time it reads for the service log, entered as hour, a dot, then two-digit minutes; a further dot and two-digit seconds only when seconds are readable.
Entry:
7.05.09
